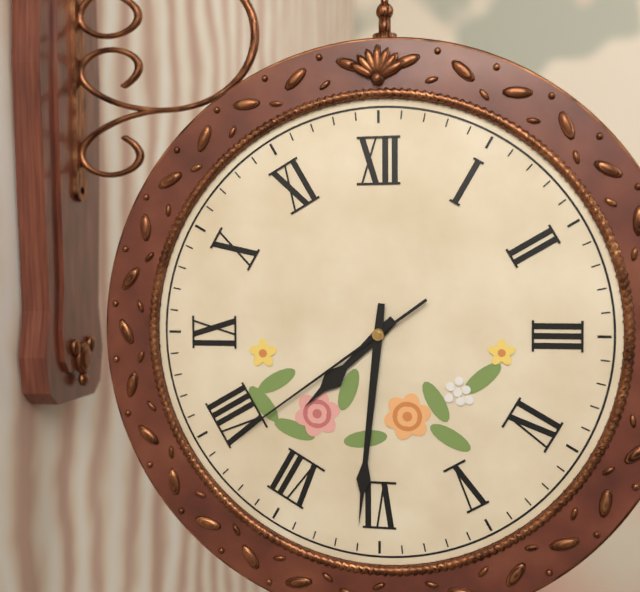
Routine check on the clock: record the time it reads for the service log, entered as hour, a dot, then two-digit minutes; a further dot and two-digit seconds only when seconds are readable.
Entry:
7.31.39
